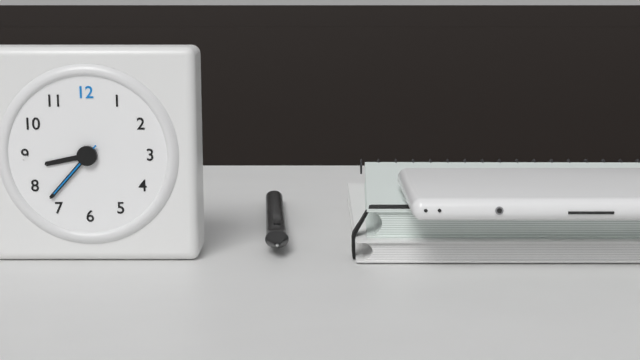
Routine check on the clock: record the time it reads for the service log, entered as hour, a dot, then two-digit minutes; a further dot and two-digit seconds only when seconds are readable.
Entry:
8.37.37
